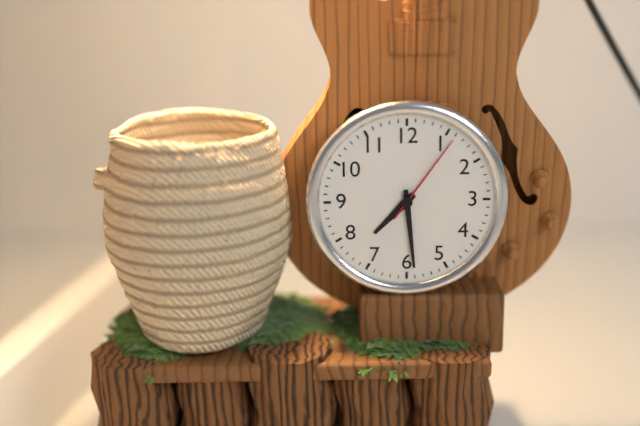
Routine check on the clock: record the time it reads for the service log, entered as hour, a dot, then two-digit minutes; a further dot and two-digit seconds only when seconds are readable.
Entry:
7.29.06
